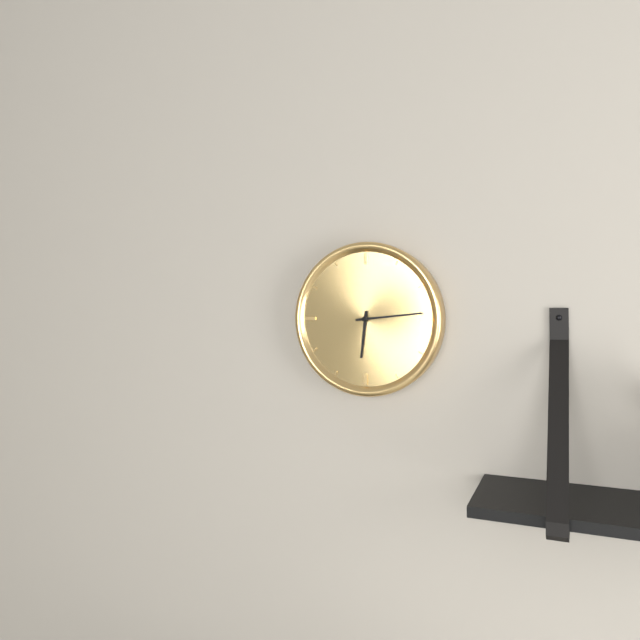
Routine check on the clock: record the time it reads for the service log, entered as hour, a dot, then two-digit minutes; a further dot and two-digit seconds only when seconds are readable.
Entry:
6.14
